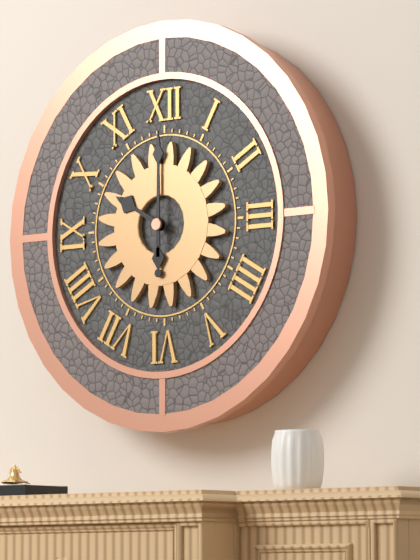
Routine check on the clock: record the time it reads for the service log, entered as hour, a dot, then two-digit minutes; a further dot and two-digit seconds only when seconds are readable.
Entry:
10.00
